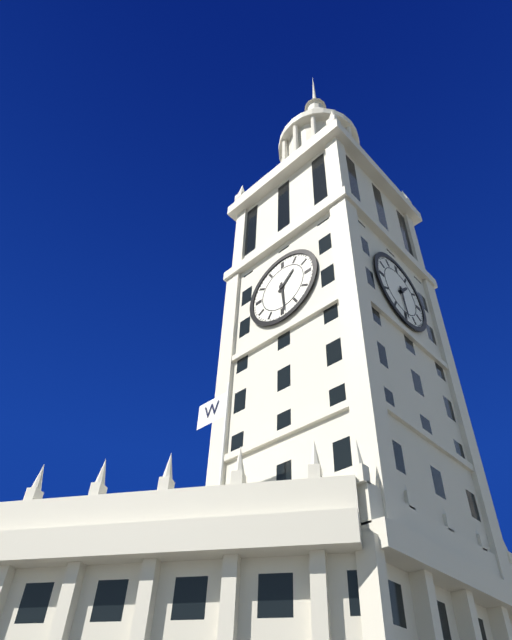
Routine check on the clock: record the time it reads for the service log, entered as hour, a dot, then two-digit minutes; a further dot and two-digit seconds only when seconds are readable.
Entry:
1.29
